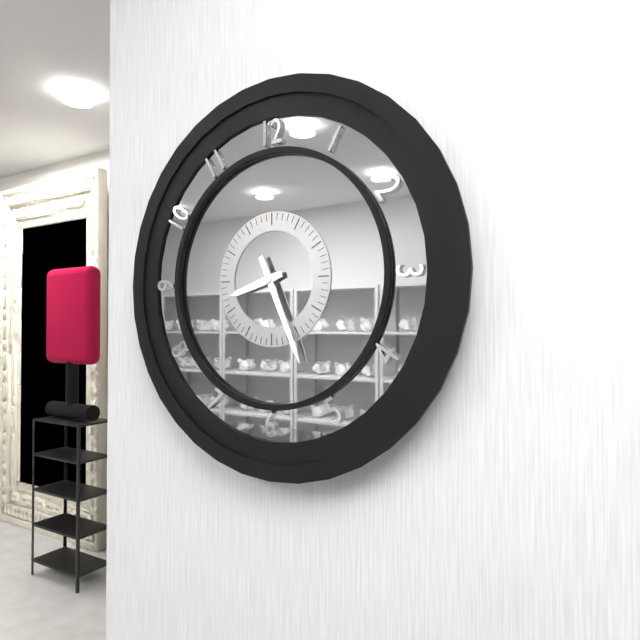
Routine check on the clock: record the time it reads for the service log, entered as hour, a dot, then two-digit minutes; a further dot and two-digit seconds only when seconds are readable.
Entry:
8.26
